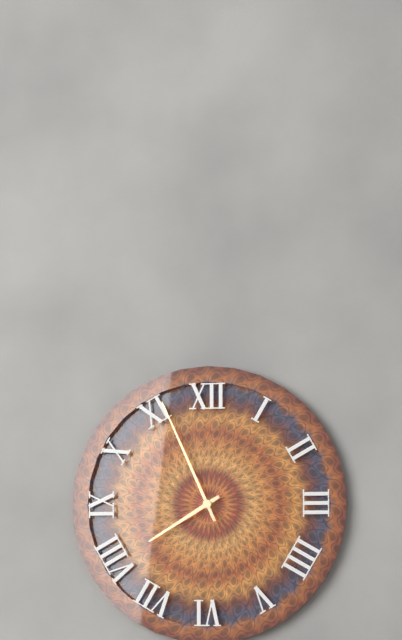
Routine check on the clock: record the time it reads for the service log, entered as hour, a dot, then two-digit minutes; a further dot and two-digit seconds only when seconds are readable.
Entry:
7.56
